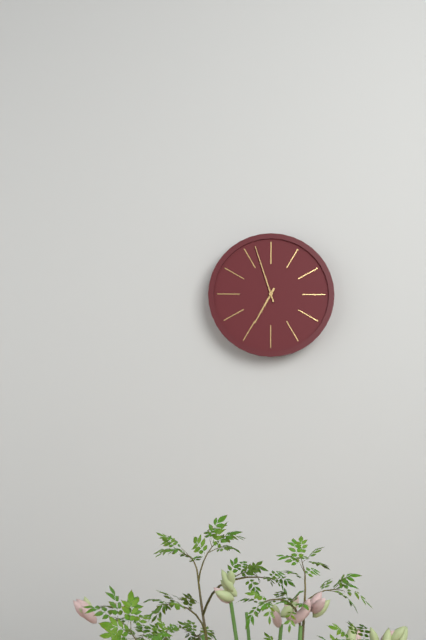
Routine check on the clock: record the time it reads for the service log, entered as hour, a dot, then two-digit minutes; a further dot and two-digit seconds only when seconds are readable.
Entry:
6.57
